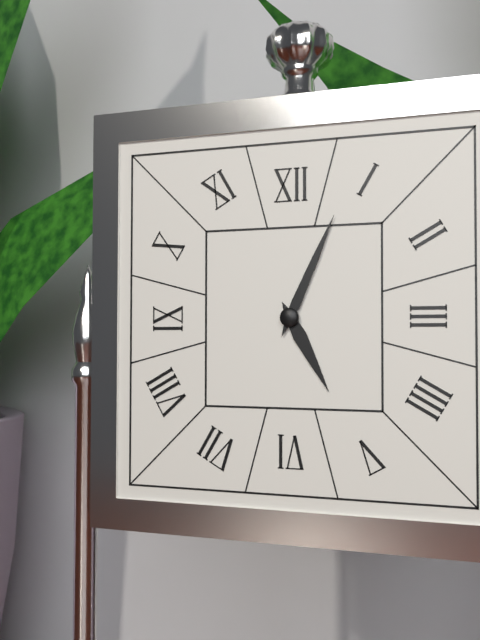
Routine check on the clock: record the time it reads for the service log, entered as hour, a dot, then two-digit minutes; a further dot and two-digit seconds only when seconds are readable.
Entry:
5.04
